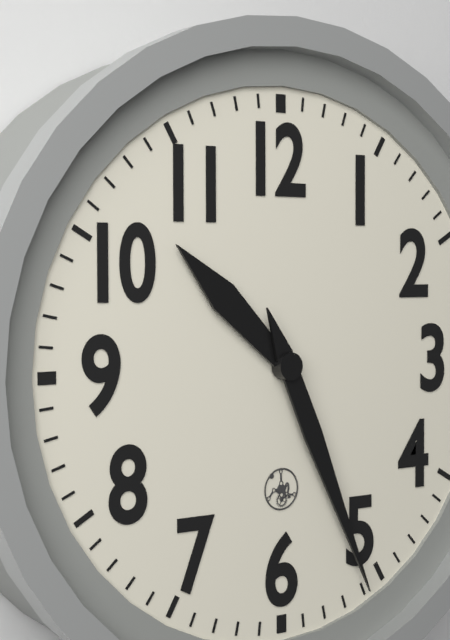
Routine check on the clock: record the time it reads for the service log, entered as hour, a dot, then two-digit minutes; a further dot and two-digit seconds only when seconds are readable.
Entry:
10.26
